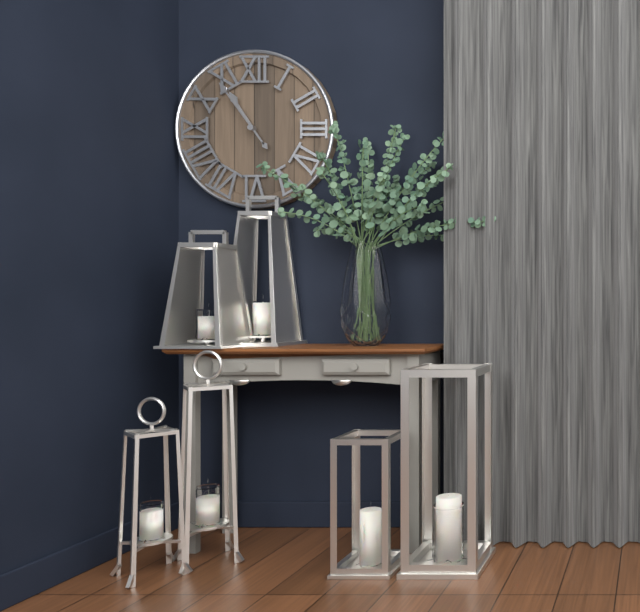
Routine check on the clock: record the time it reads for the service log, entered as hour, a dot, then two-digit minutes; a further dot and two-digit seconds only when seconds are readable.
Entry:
10.54
